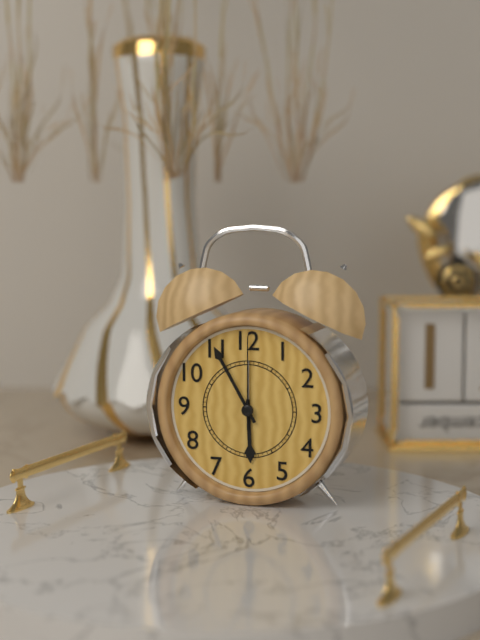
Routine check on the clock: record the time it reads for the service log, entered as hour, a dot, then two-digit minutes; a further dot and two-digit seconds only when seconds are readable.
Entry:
5.55.00
